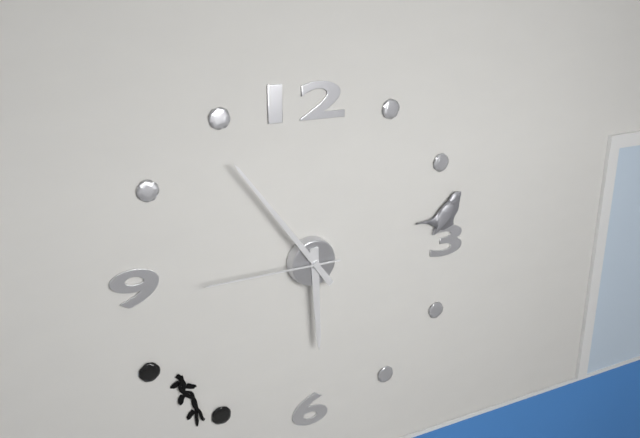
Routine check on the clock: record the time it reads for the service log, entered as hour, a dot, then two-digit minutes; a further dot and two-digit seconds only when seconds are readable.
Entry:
5.54.45
